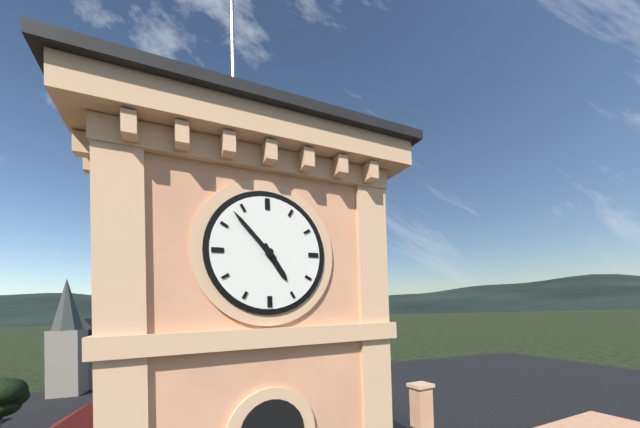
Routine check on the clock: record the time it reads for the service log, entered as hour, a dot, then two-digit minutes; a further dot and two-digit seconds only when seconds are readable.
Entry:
4.53
